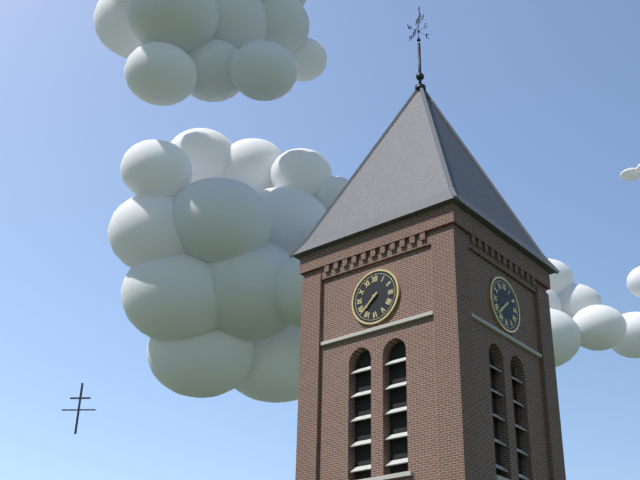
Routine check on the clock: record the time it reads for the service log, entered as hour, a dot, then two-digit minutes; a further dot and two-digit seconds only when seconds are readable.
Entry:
7.38
